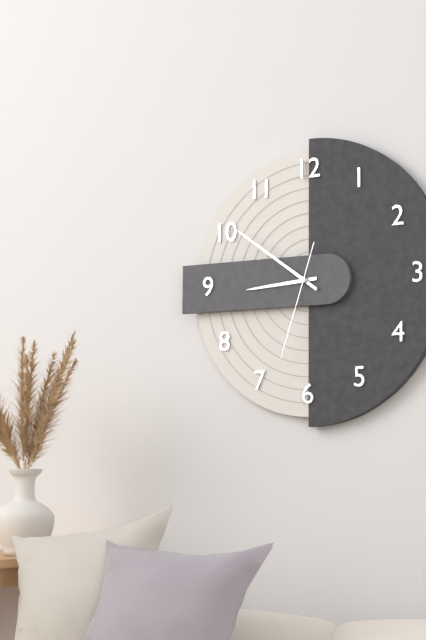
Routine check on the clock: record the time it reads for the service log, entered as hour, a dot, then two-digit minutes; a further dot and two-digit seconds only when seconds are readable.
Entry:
8.51.33
